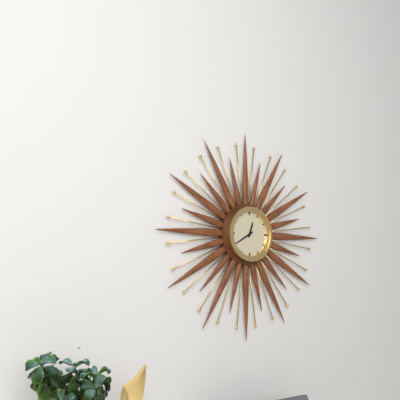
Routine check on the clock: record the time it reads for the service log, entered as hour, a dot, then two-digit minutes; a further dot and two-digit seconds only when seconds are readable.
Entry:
12.40
